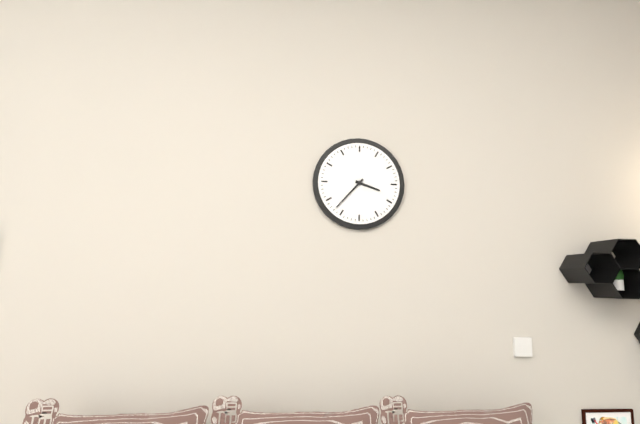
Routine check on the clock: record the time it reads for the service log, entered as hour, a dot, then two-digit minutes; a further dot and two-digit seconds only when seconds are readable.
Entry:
3.37
